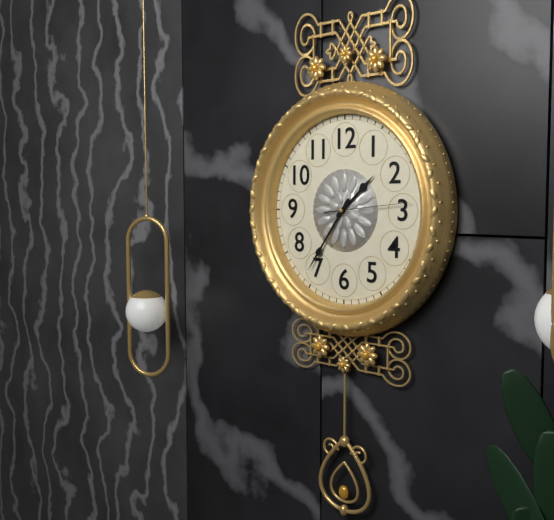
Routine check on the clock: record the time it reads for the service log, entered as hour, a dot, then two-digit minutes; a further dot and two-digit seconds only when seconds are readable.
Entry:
1.36.14
